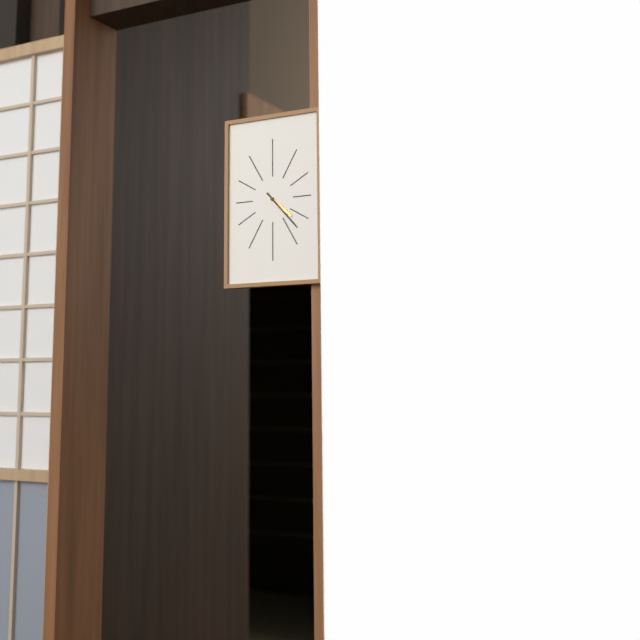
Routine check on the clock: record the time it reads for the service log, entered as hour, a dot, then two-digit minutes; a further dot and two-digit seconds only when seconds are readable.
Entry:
4.23
